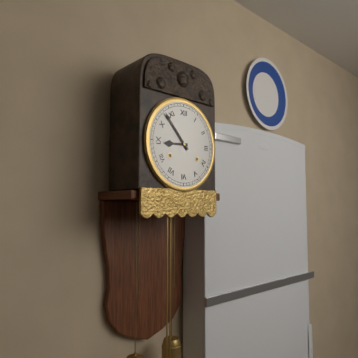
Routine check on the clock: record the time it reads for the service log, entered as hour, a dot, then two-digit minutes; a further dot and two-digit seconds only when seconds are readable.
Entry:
8.53
